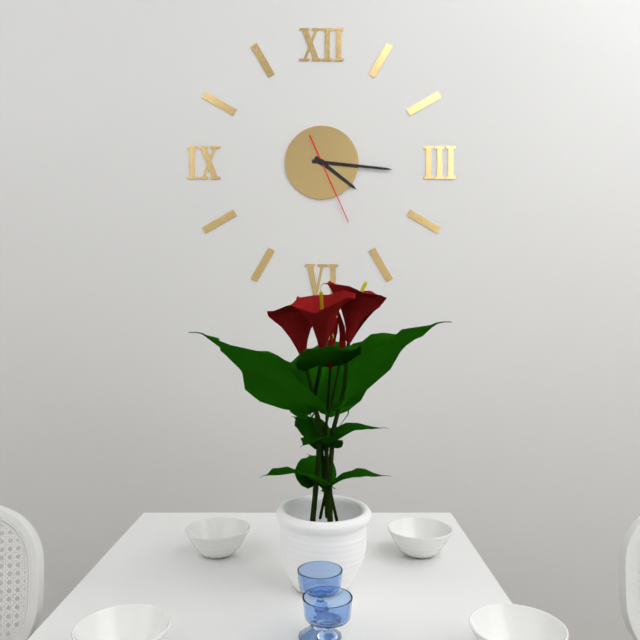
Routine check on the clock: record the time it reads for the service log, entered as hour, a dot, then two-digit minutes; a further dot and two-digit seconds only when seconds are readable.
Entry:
4.16.26
